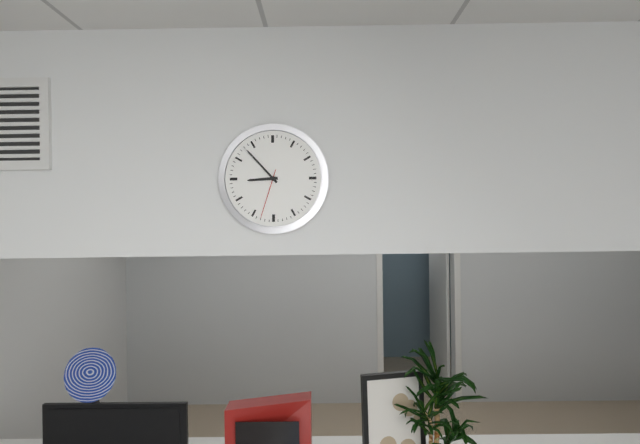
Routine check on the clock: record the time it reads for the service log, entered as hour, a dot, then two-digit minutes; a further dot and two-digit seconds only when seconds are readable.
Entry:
8.53.33
